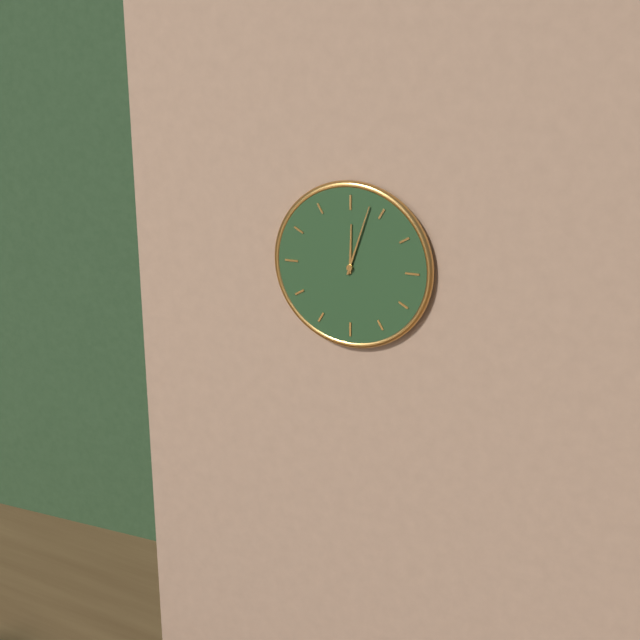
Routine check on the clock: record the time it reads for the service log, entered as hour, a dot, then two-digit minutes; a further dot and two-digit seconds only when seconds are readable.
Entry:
12.03
